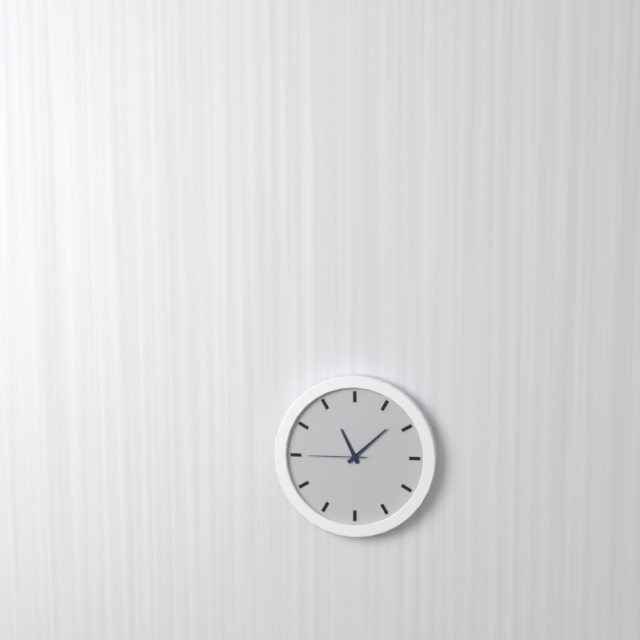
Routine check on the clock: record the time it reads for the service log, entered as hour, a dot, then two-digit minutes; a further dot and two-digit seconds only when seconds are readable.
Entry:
11.08.45
